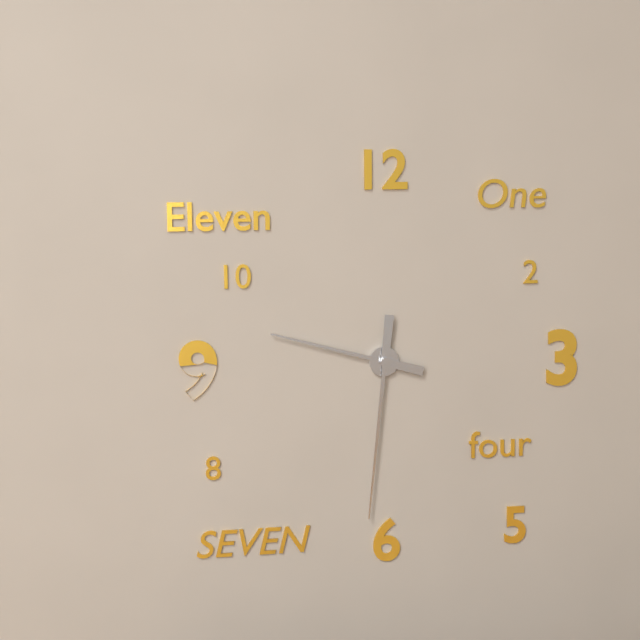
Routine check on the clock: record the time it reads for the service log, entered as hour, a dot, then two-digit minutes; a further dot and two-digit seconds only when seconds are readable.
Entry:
9.31
